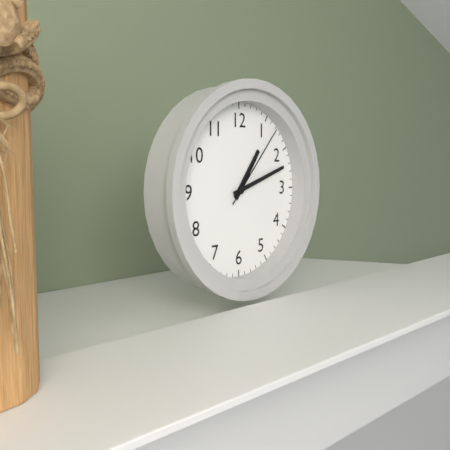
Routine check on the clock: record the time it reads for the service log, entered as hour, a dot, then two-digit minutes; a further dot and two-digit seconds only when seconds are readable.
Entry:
1.12.07
